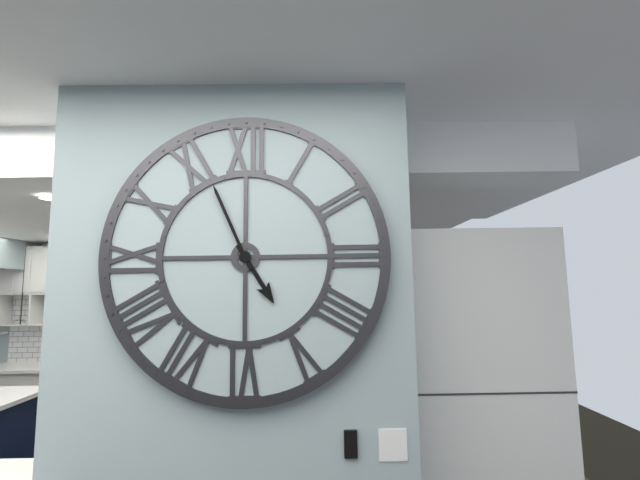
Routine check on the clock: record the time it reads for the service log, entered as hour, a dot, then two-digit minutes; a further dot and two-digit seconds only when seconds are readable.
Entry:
4.56
